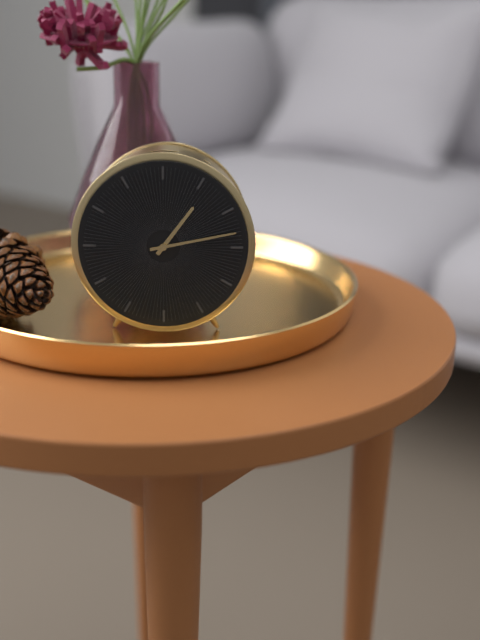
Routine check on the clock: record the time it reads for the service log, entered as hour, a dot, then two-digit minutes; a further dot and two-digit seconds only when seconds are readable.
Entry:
1.13
